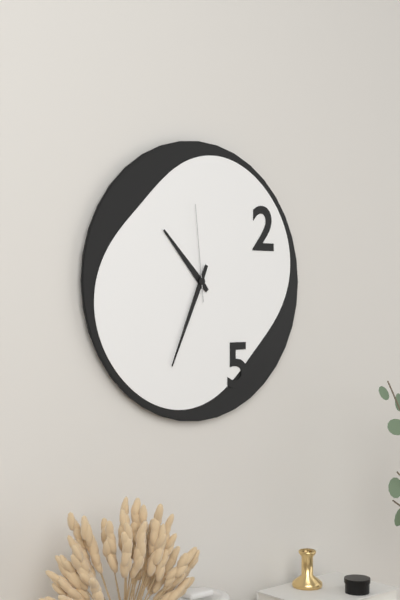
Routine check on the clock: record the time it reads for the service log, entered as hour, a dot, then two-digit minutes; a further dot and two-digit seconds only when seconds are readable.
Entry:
10.34.59
